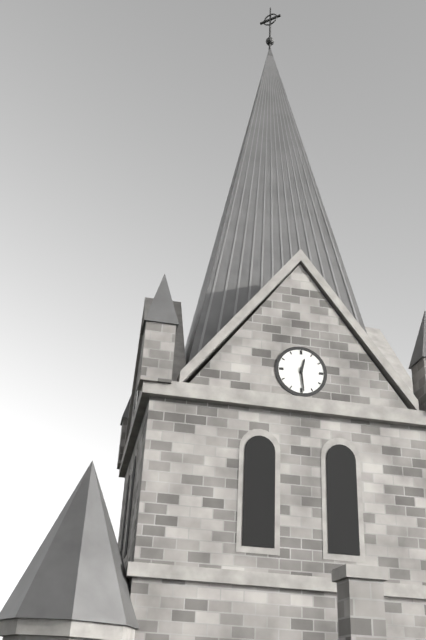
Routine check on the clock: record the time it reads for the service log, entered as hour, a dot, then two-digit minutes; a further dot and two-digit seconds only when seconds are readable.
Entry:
12.29
